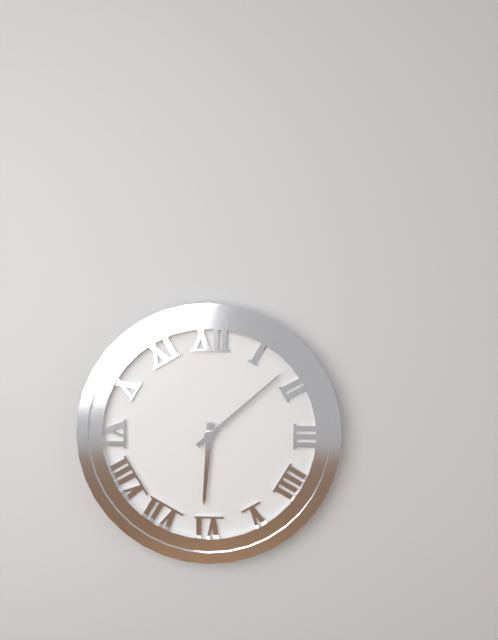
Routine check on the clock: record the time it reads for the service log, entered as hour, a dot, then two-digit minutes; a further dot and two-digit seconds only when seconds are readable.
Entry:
6.08
